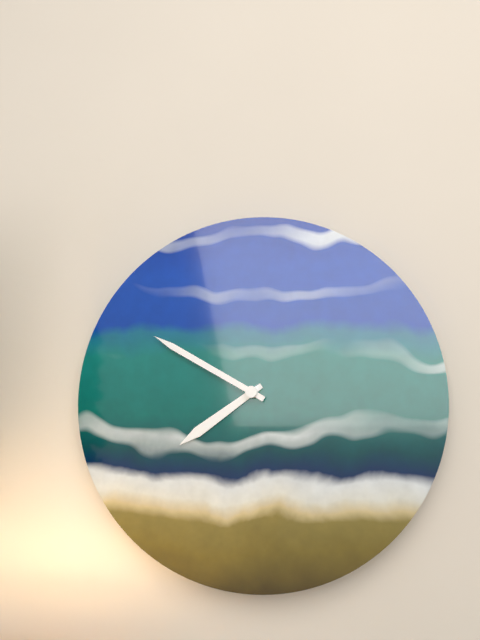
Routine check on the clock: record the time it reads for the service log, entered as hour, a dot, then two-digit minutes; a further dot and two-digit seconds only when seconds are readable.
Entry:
7.50
